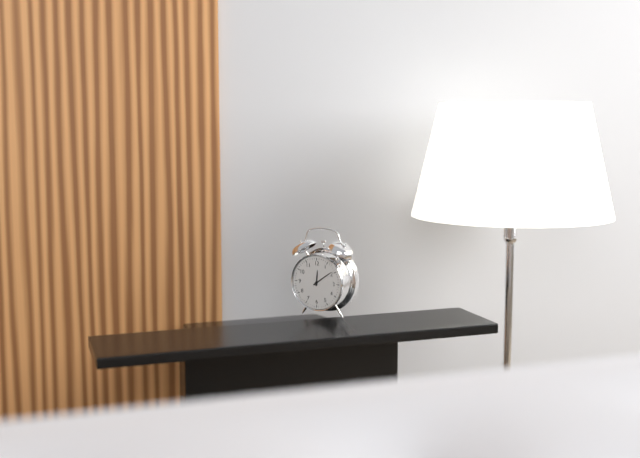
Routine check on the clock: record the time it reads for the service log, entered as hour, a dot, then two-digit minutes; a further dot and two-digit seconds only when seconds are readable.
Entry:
12.09
